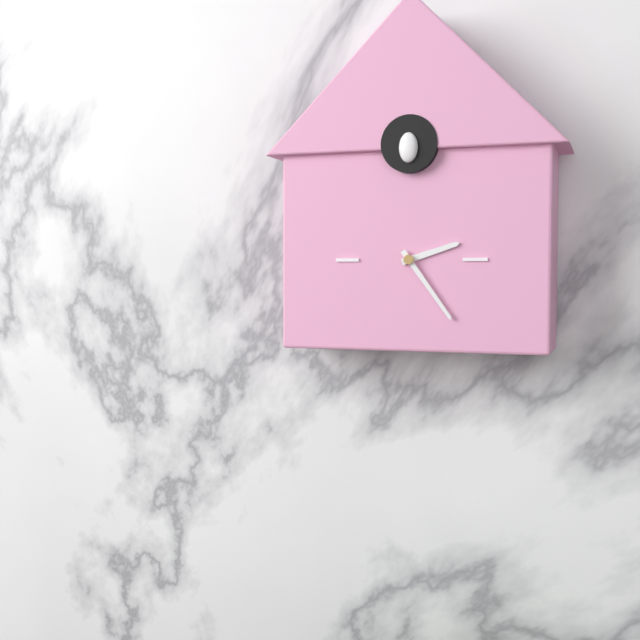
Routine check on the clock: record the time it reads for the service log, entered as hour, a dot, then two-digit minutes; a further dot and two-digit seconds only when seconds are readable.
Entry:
2.24
